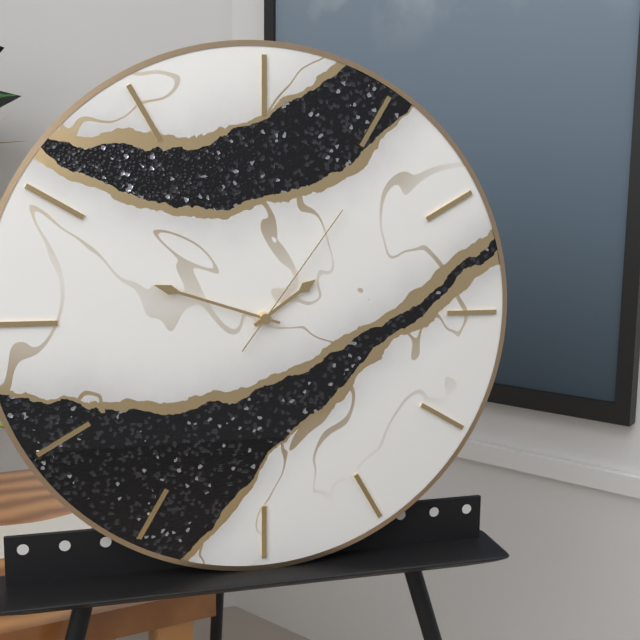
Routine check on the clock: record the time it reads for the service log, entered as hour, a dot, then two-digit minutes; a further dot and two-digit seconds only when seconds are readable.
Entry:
1.48.06
